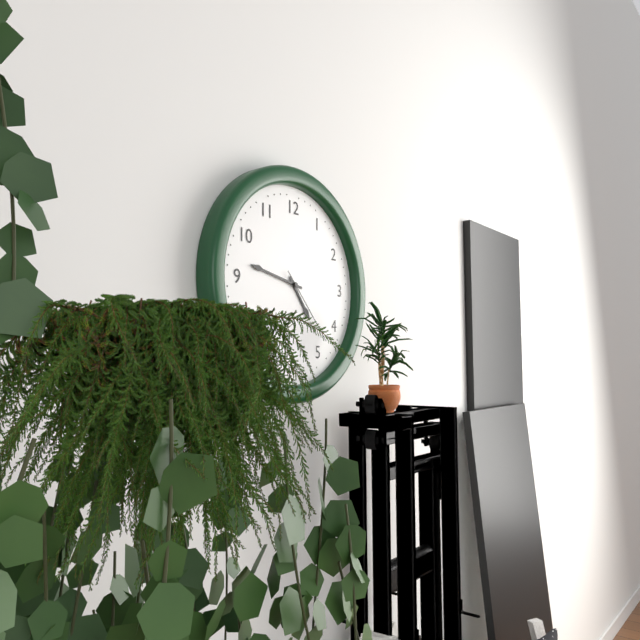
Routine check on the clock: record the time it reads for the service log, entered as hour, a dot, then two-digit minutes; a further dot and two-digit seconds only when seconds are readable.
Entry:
4.47.23
